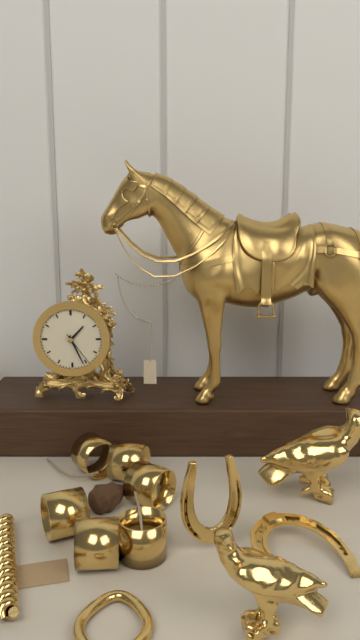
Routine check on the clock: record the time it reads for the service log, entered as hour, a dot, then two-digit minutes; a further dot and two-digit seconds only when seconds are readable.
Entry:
1.26
